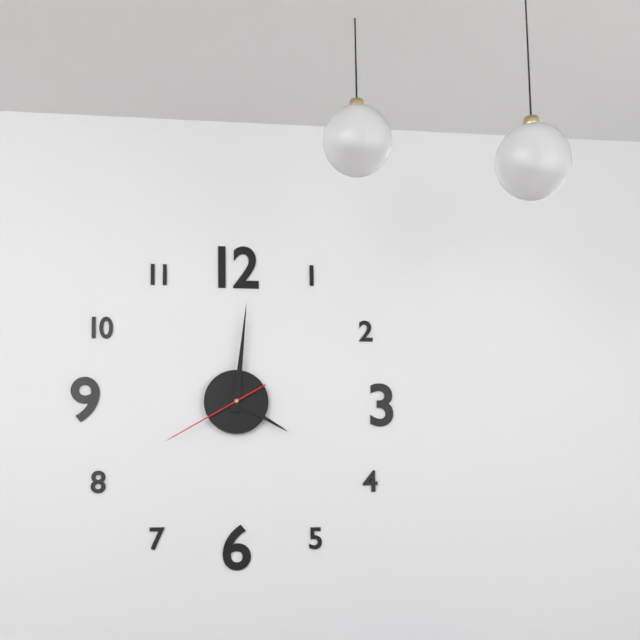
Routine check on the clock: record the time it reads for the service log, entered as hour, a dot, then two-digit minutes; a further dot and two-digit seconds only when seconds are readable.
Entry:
4.01.40
